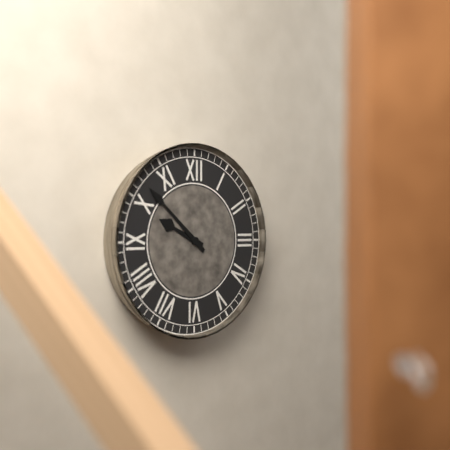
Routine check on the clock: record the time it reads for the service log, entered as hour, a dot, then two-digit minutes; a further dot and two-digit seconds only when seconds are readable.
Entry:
9.52
